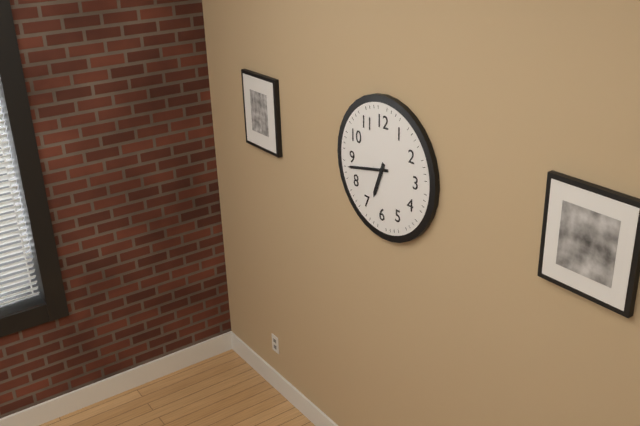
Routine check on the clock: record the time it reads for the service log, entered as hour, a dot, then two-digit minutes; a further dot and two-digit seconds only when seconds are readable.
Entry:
6.43
